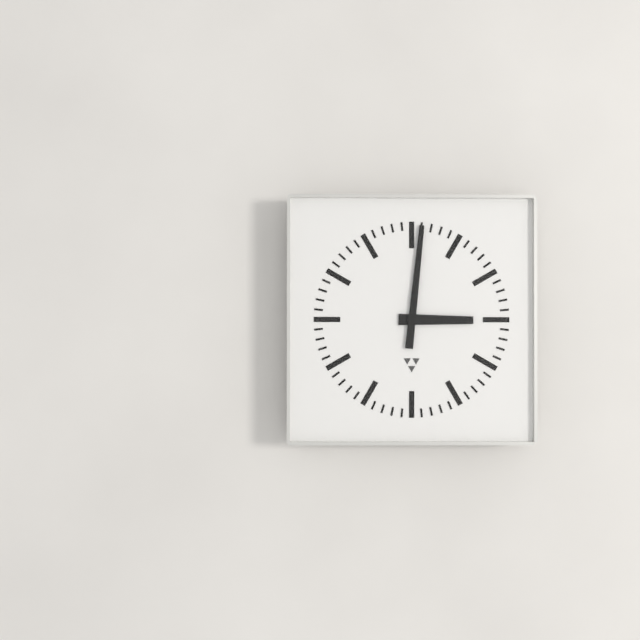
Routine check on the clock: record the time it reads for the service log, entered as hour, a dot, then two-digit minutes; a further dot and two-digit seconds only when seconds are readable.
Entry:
3.01
